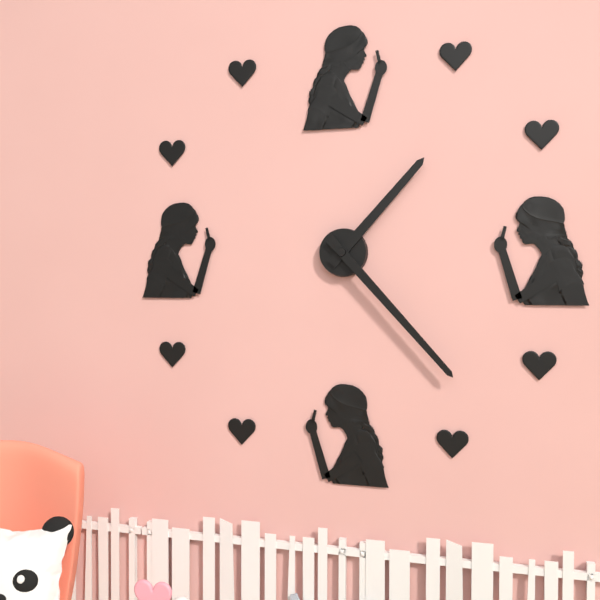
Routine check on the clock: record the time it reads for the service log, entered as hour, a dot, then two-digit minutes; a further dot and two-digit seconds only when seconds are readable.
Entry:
1.23
